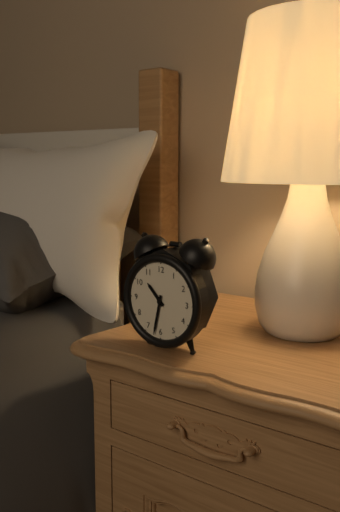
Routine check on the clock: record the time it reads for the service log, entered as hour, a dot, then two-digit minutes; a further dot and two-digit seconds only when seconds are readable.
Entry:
10.32
